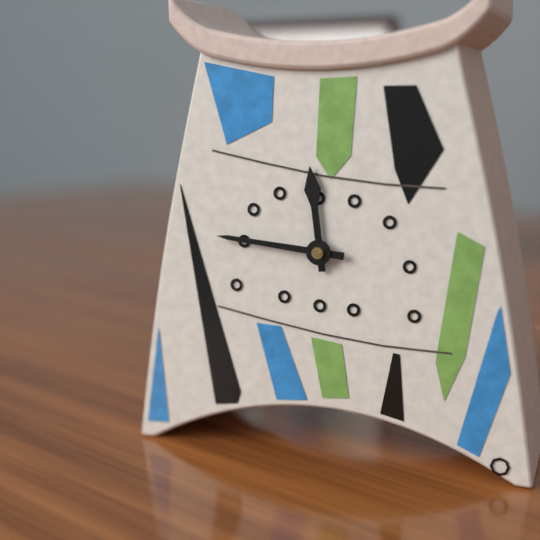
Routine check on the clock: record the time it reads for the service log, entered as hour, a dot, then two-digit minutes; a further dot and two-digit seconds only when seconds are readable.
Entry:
11.46
